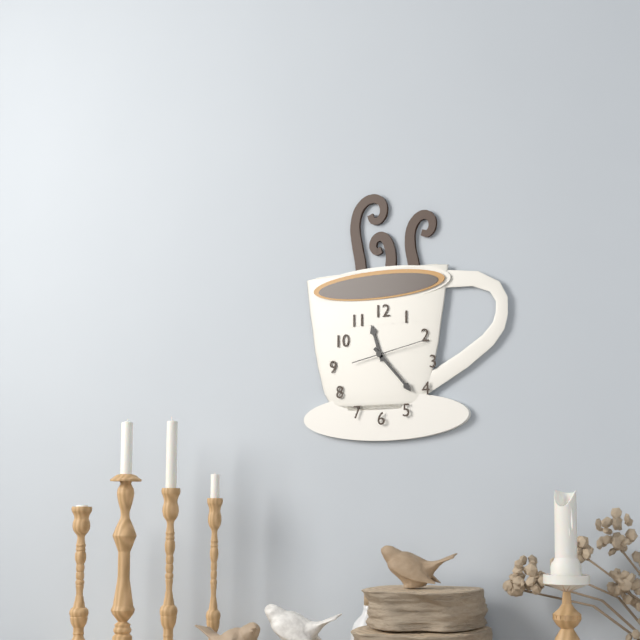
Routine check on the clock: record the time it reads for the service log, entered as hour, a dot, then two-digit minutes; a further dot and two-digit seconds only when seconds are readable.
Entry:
11.23.13
